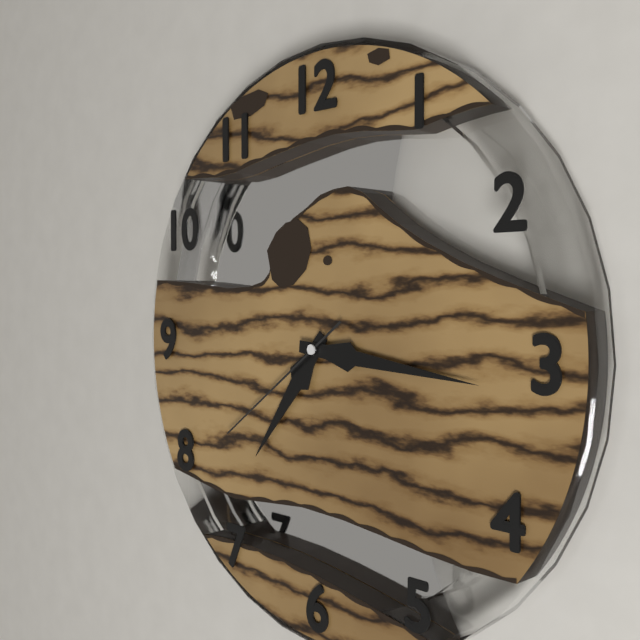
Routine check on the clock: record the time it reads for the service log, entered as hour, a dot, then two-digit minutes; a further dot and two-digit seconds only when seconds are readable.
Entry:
7.16.39
